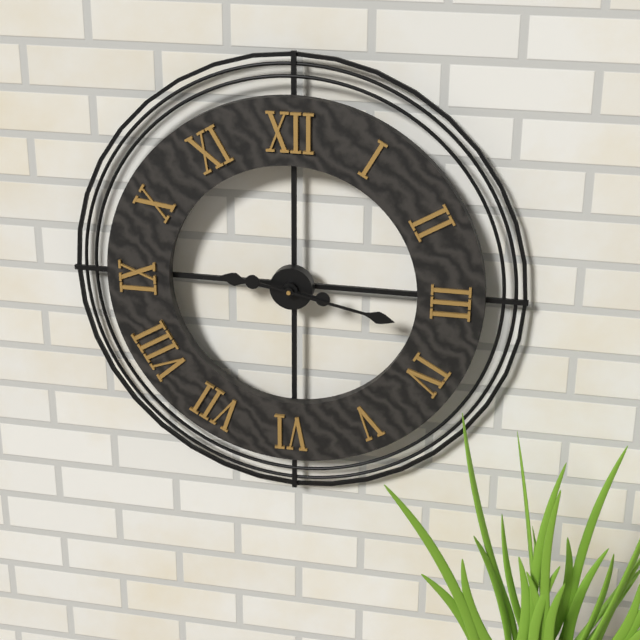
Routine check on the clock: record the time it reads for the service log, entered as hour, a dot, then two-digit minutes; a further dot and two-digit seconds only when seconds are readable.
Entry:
9.17
